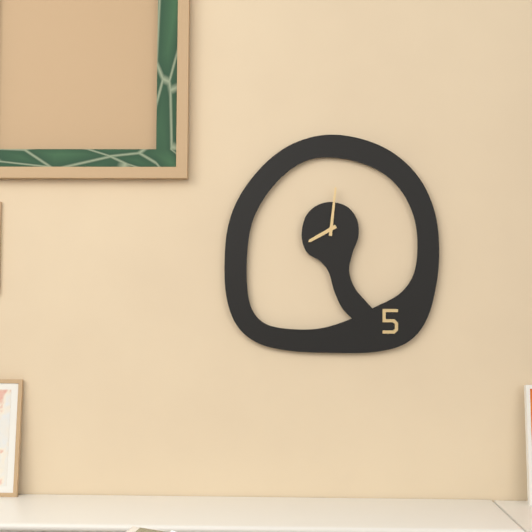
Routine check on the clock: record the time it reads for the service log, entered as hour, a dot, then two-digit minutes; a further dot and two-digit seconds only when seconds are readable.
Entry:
8.01
